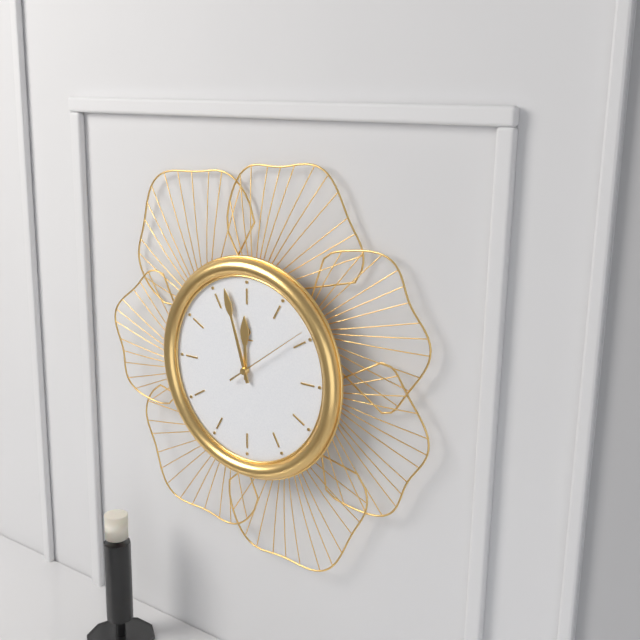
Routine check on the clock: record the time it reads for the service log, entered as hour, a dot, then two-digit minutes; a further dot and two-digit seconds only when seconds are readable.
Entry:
11.57.09
